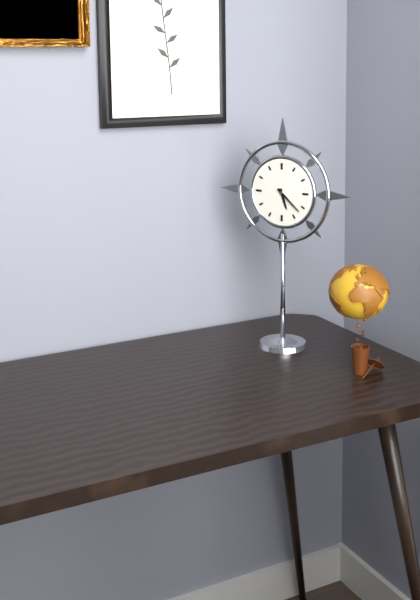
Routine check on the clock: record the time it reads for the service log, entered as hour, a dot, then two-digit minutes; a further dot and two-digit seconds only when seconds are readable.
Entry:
5.22
